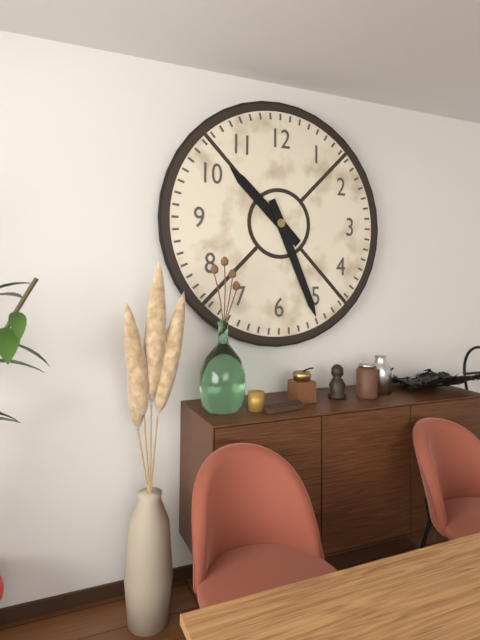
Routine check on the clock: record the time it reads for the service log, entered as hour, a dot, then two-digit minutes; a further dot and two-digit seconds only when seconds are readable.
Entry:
10.26
